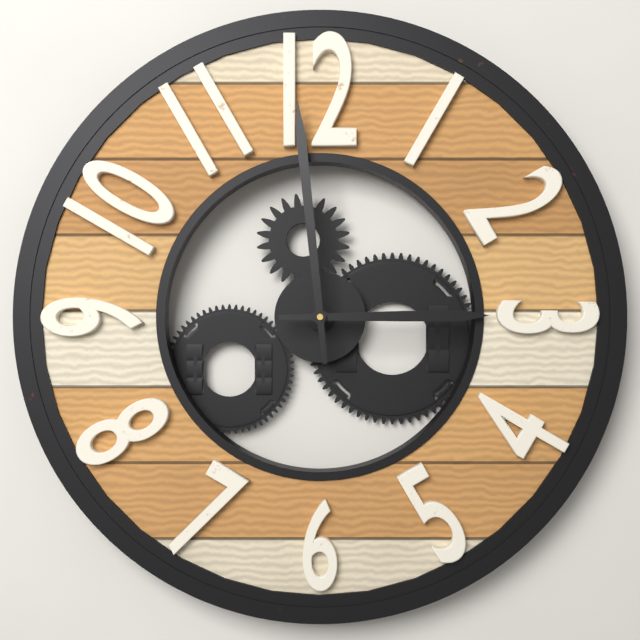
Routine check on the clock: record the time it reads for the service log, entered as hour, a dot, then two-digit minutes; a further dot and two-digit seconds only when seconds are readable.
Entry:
2.59
